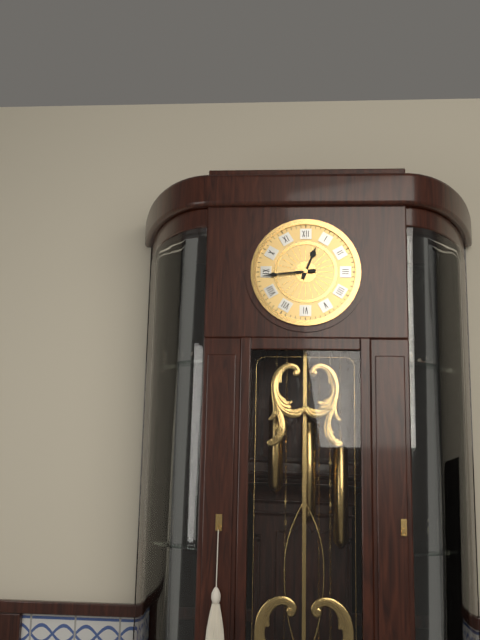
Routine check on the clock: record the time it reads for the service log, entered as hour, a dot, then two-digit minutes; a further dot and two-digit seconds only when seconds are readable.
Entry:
12.44
